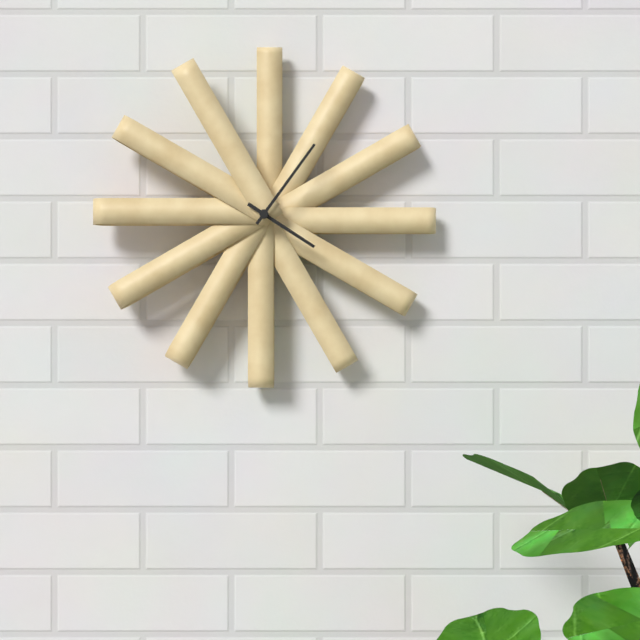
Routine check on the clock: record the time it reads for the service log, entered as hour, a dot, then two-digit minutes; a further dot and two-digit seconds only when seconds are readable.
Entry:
4.06
